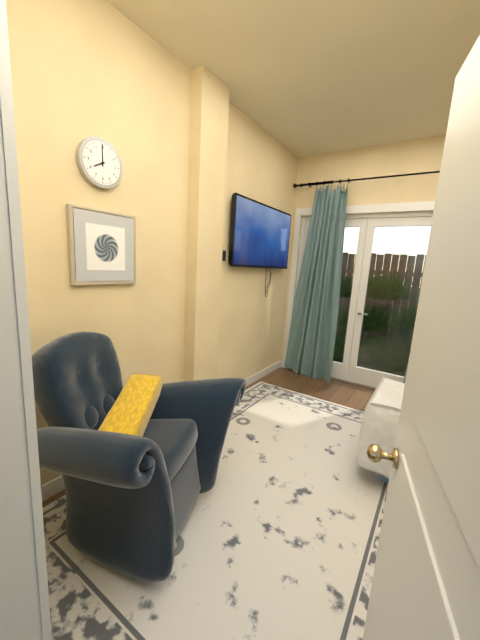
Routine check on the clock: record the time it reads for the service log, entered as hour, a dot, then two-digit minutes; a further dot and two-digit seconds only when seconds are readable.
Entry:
8.00
